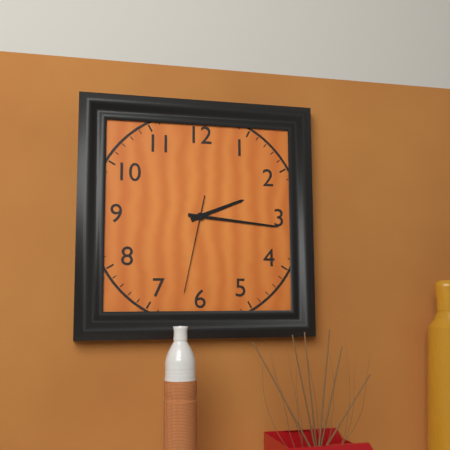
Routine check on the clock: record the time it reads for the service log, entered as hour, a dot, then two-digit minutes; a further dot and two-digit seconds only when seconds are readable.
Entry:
2.16.32
